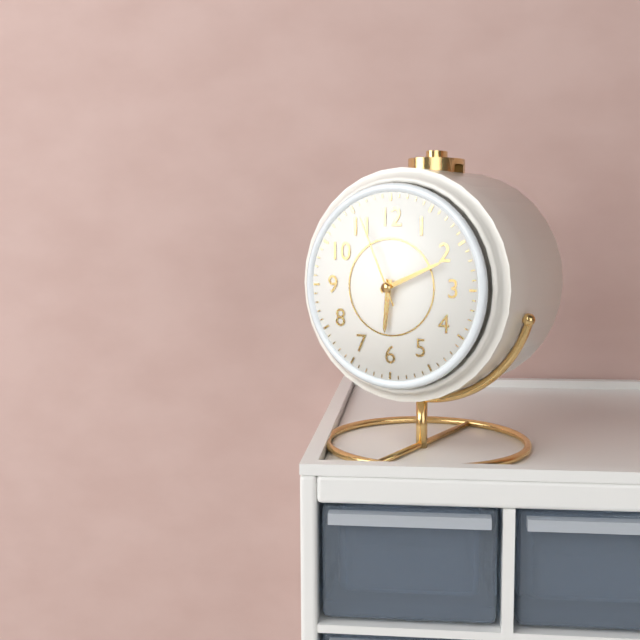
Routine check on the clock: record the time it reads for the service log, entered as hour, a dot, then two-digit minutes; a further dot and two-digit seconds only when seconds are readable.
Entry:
6.11.56
